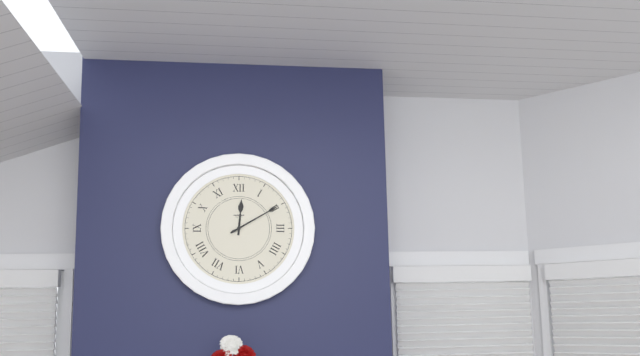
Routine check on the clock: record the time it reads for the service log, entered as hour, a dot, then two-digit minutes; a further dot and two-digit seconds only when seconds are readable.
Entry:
12.10
